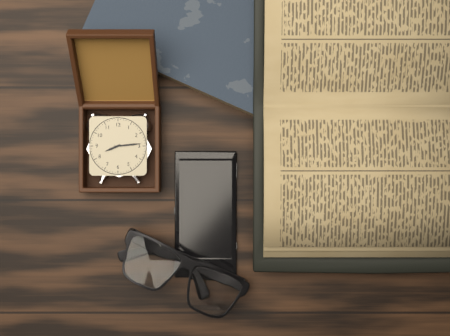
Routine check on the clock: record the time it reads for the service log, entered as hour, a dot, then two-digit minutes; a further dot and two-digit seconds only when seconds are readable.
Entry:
8.14
